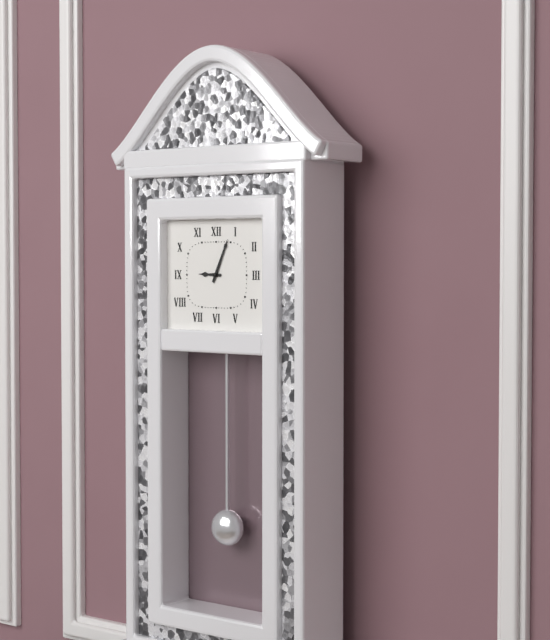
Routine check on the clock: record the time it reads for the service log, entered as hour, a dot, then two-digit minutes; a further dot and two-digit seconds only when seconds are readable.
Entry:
9.04
